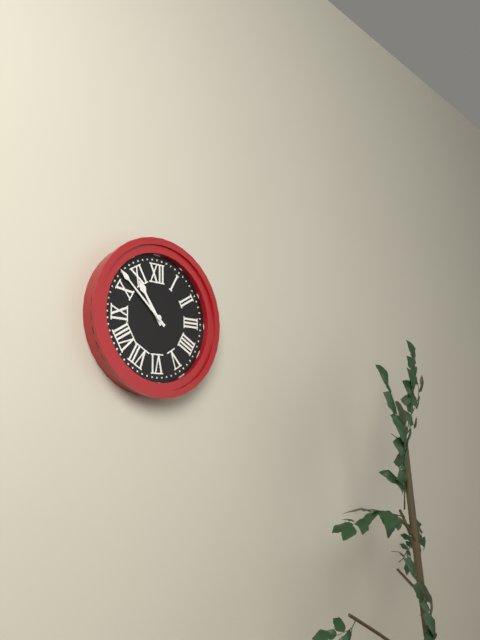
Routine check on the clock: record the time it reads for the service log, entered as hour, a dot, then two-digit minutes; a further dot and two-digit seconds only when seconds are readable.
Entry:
10.52
